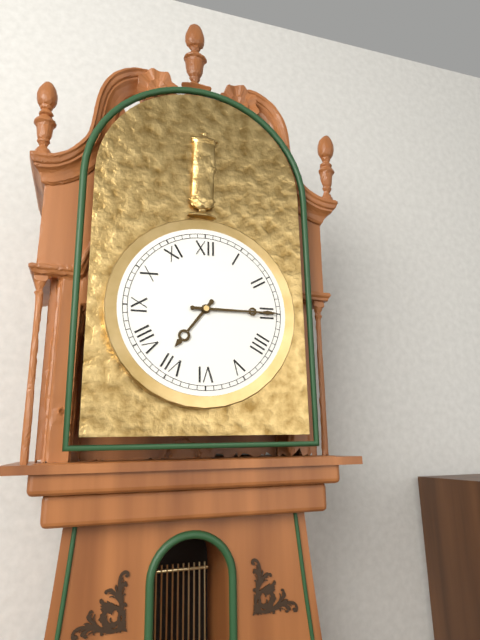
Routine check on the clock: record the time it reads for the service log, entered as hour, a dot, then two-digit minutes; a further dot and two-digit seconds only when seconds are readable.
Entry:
7.15
